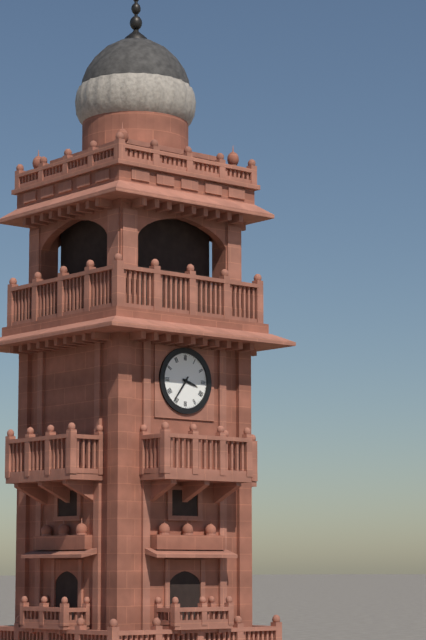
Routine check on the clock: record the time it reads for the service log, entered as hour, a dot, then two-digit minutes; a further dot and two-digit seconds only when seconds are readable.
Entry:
3.36
